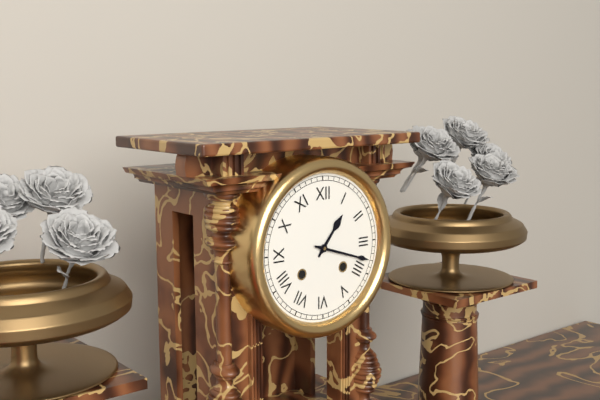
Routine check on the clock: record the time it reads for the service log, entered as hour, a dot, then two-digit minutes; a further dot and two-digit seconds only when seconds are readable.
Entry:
1.18
